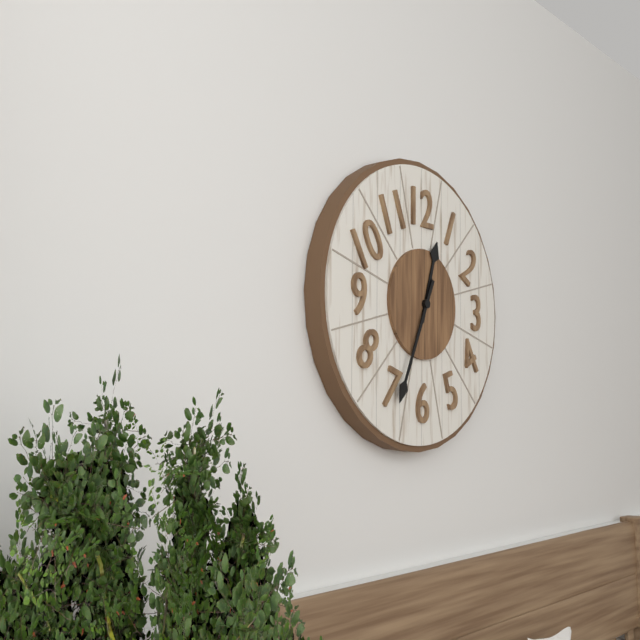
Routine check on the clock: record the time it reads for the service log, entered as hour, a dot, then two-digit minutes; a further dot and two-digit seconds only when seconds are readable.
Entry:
12.34
